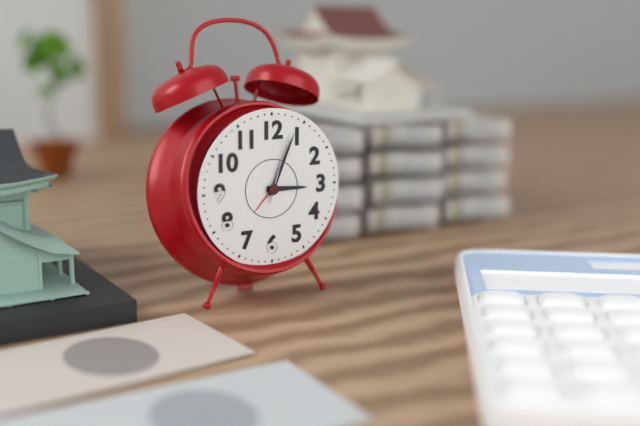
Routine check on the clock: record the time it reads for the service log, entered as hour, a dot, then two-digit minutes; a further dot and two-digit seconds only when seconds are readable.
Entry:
3.04.03
